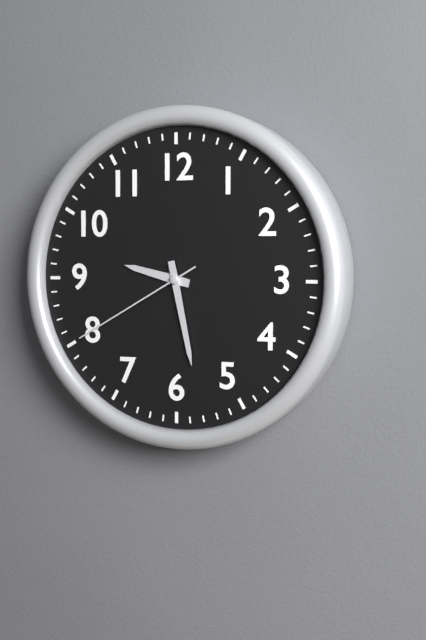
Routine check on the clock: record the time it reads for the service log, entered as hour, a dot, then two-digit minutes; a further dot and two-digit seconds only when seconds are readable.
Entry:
9.28.40
